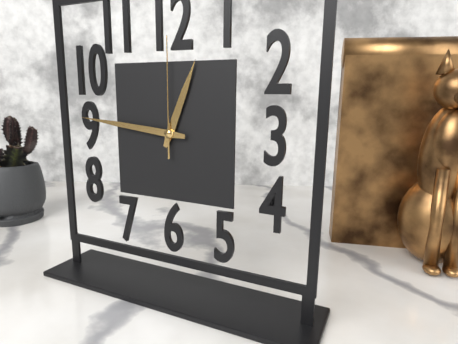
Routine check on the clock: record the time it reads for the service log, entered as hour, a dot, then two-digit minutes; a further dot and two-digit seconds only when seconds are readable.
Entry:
12.46.00
